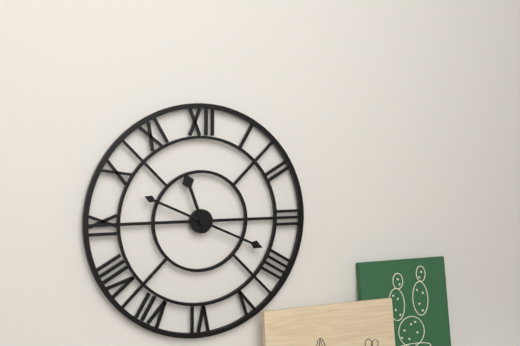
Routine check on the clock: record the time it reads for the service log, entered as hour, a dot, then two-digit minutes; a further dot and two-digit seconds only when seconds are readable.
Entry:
11.19
